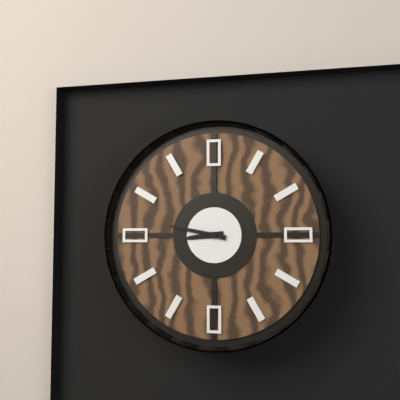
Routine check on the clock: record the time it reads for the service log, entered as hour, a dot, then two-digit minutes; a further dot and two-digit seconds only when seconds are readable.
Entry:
8.47
